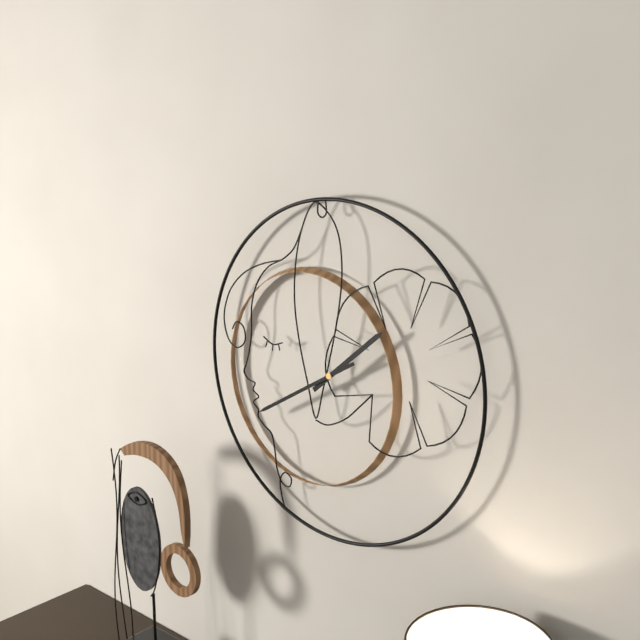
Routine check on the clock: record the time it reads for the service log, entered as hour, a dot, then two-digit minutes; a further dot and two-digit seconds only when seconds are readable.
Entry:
1.40
